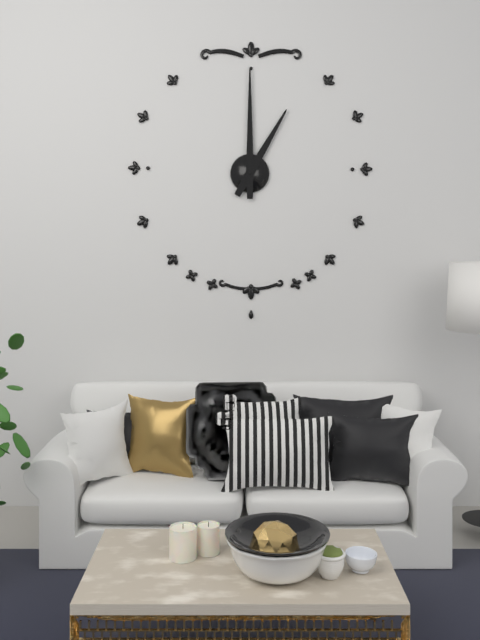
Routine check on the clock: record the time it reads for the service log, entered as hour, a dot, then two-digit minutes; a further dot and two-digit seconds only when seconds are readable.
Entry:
1.00
